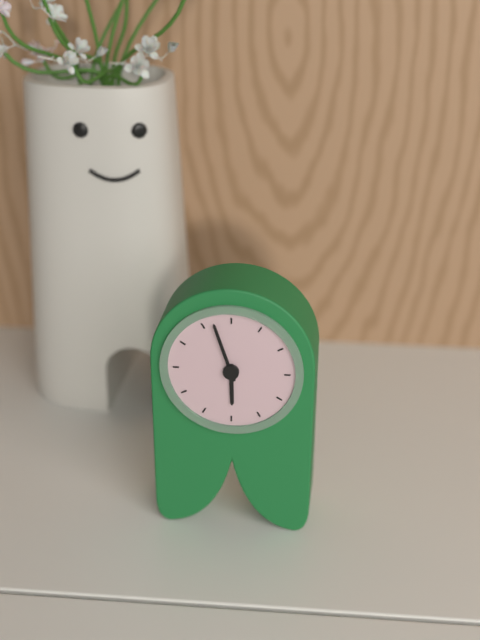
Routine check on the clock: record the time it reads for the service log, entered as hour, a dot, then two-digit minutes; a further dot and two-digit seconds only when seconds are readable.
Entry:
5.57
